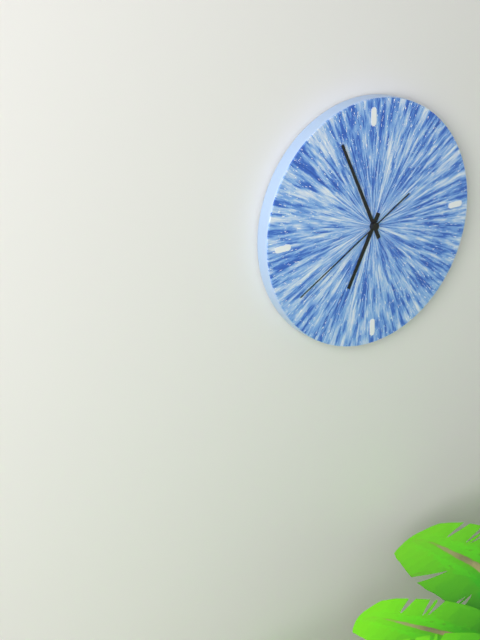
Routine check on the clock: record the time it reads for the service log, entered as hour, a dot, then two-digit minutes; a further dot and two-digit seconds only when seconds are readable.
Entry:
6.56.40
